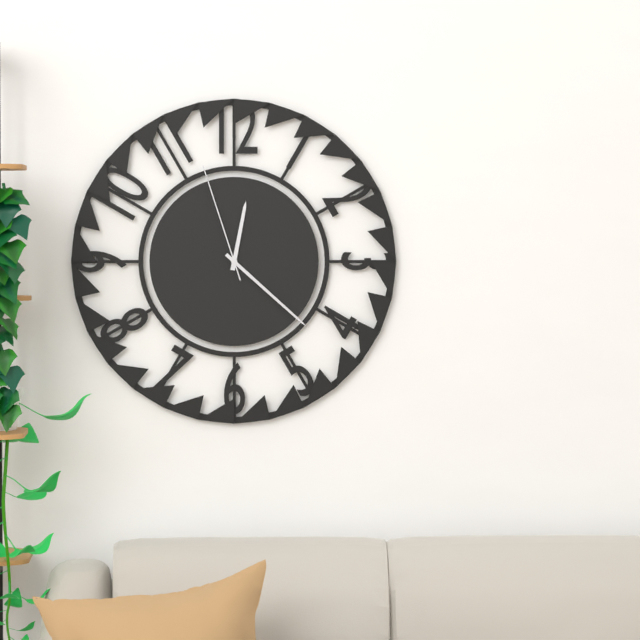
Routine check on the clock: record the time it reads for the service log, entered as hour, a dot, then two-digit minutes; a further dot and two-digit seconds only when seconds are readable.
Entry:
12.22.57
